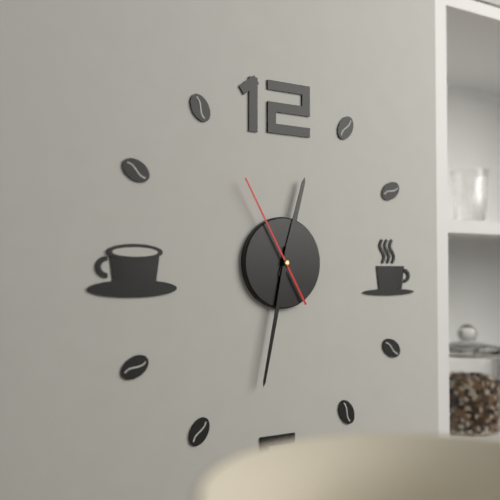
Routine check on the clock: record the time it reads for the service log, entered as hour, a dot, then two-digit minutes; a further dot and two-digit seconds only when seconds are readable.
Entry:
12.32.55
